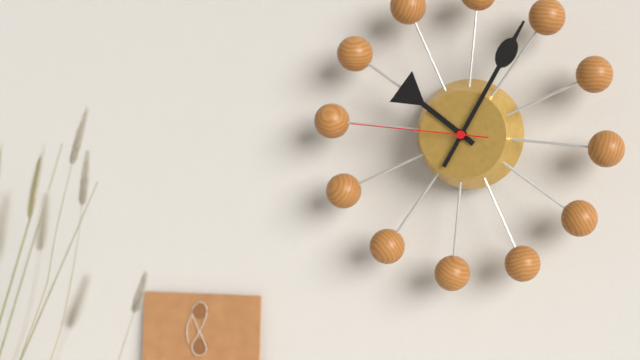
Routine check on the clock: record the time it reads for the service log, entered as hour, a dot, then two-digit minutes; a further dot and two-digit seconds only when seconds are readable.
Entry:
10.04.45
